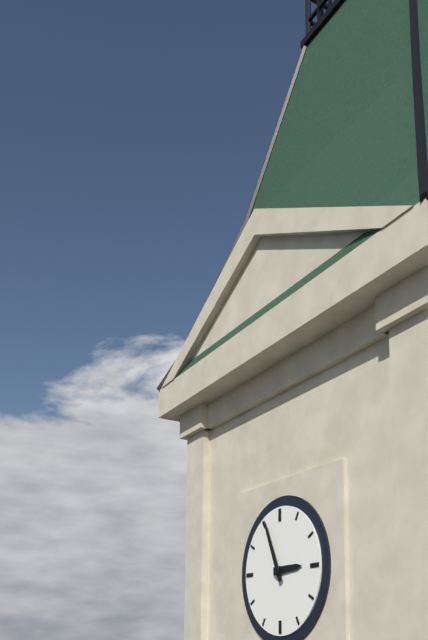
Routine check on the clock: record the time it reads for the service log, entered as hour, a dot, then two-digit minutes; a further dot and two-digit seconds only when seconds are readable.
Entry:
2.56
